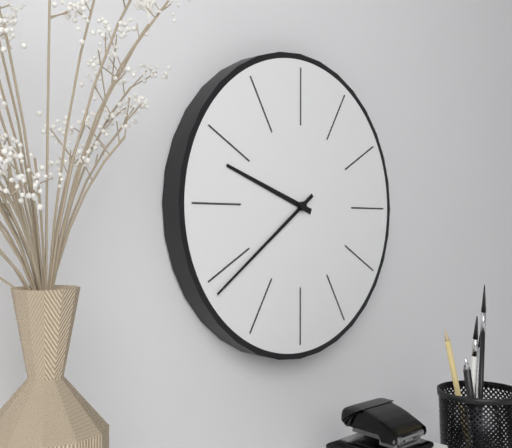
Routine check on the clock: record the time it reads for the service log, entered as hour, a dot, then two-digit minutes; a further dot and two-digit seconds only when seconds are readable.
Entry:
9.39
